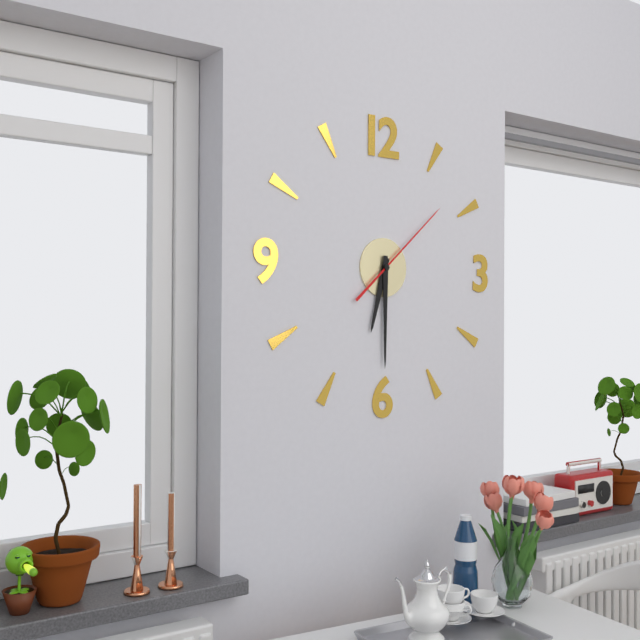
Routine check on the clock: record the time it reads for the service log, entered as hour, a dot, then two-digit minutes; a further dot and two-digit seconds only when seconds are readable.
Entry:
6.30.08
